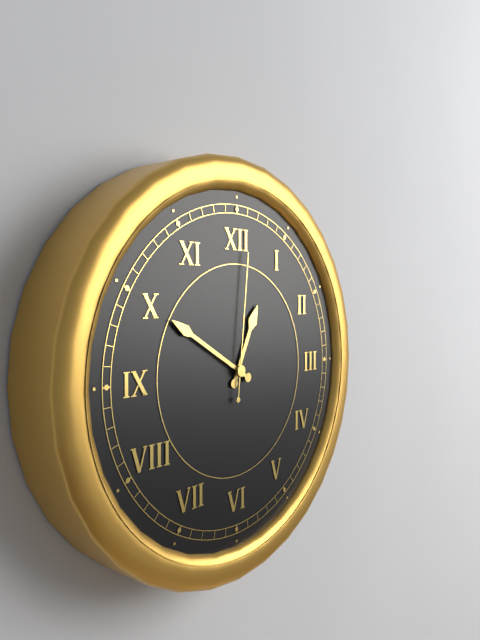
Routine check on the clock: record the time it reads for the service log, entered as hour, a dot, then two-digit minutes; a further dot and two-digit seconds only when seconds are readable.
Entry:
12.50.01
